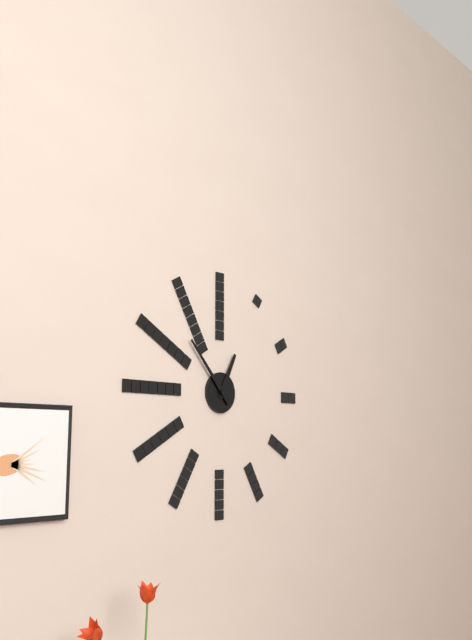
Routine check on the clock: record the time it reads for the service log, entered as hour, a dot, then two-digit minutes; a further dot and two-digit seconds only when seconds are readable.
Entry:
12.53
